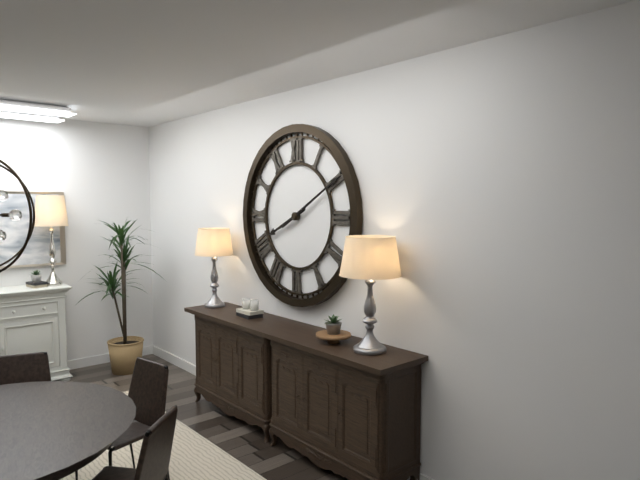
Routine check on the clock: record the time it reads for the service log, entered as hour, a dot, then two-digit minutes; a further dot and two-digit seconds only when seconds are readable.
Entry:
8.10
